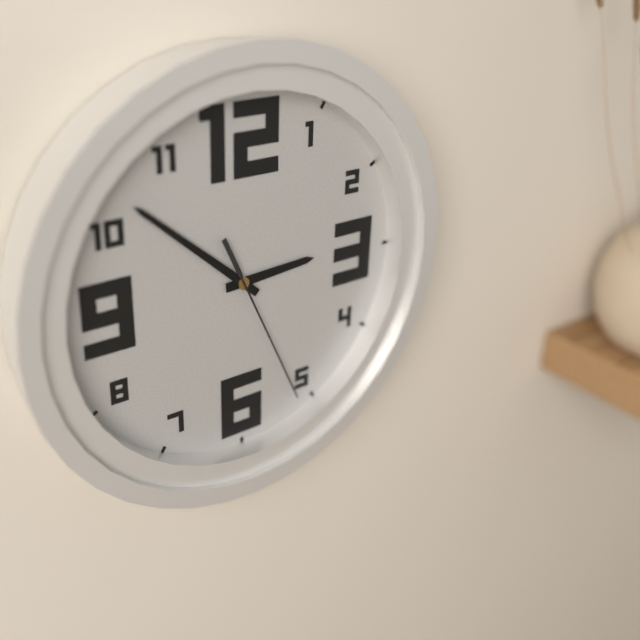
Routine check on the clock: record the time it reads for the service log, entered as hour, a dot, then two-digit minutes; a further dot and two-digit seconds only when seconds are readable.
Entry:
2.52.26
